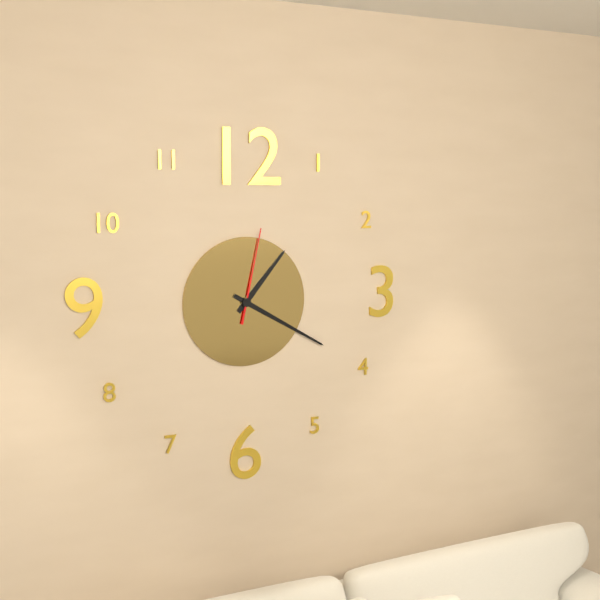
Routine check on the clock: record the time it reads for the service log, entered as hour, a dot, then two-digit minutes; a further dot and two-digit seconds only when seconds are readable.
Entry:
1.20.02
